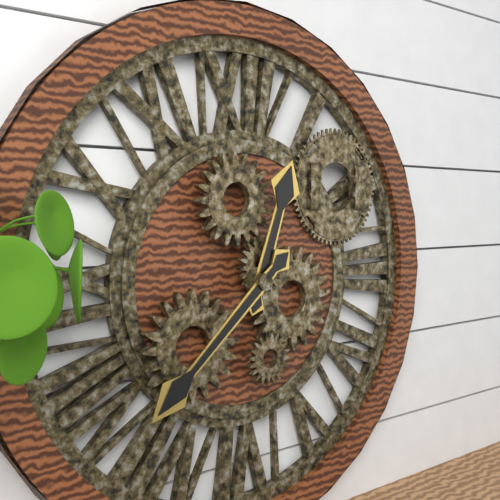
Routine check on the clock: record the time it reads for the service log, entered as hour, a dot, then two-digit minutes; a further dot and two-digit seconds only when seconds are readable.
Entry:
12.38
